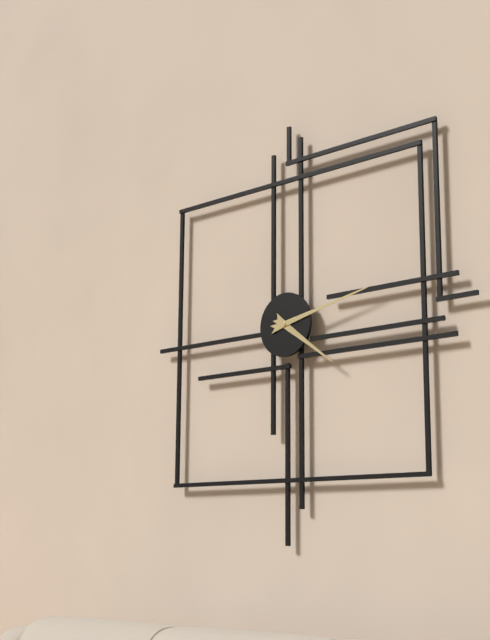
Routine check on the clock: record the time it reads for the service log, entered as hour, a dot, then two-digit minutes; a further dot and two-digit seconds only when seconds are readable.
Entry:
4.13
